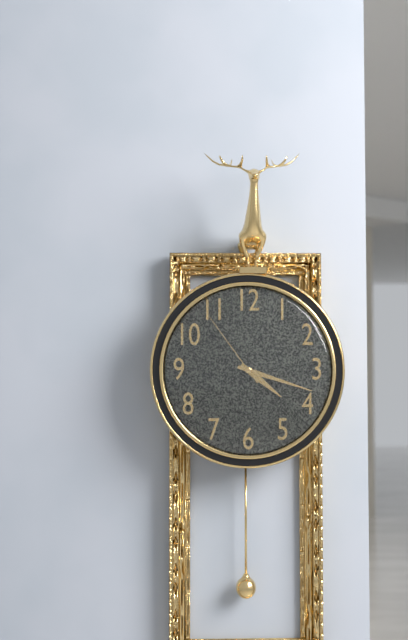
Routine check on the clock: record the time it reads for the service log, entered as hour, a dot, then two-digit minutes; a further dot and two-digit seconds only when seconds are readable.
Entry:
4.18.54
